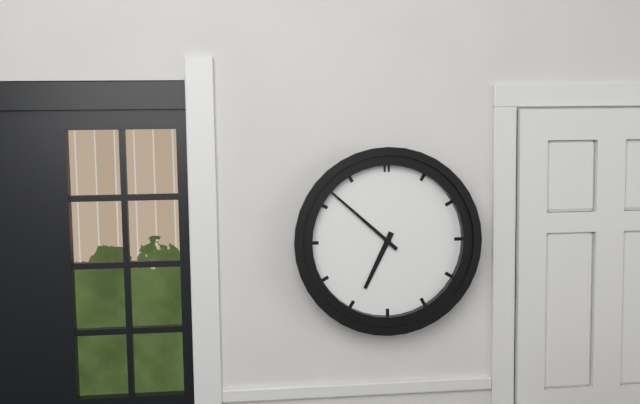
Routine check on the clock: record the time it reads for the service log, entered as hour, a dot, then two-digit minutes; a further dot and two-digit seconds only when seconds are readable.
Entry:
6.52
